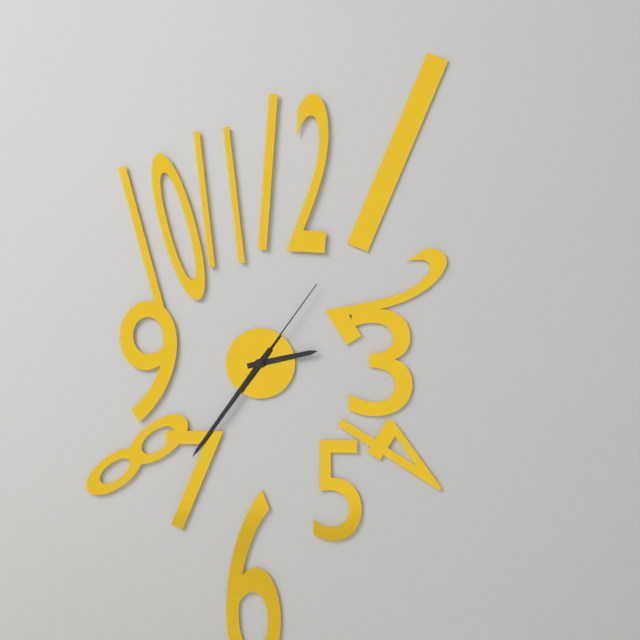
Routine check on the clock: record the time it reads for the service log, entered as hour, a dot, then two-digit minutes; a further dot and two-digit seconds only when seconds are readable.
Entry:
2.36.06
